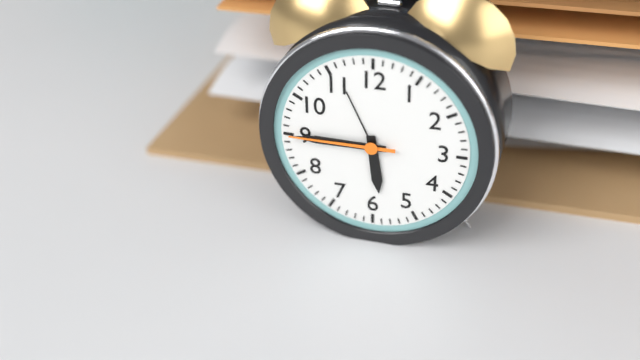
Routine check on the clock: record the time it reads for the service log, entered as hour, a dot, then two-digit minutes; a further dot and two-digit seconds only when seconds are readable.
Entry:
5.45.45
